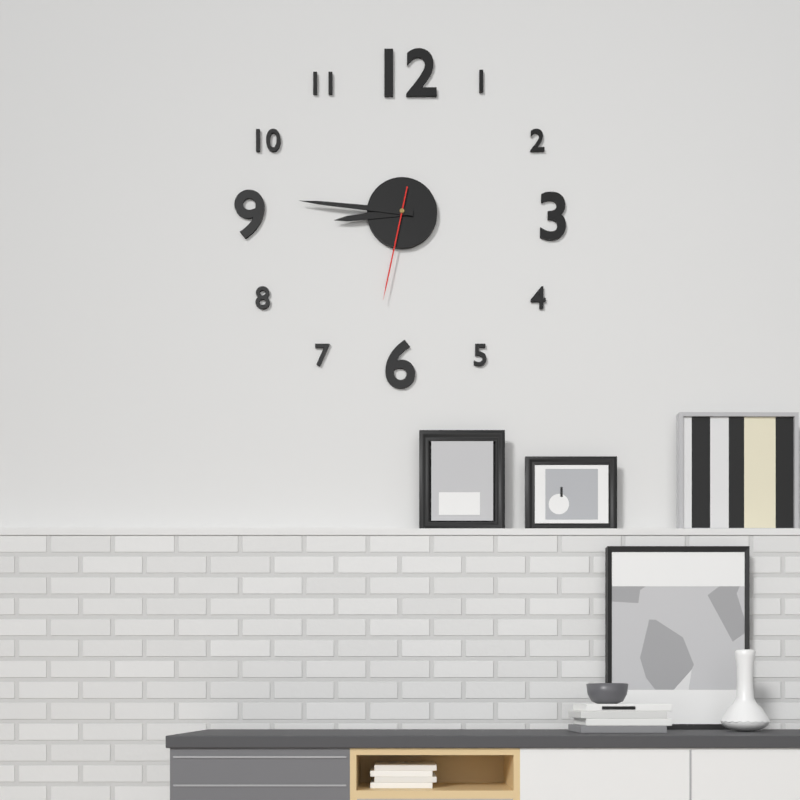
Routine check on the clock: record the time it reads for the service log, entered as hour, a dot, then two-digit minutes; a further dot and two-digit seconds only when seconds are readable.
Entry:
8.46.32
